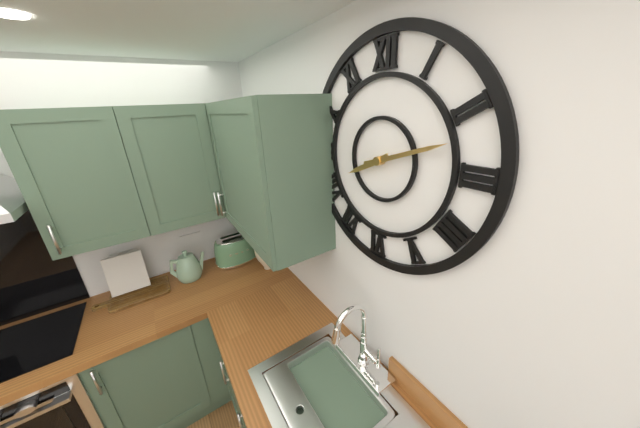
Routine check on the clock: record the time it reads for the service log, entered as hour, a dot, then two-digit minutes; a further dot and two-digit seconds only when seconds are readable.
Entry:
8.12
